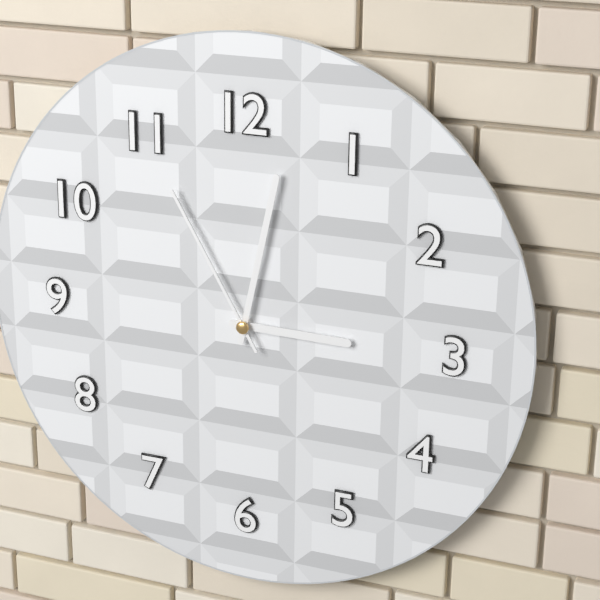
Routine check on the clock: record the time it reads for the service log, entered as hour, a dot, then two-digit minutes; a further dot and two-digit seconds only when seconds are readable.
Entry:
3.02.55
